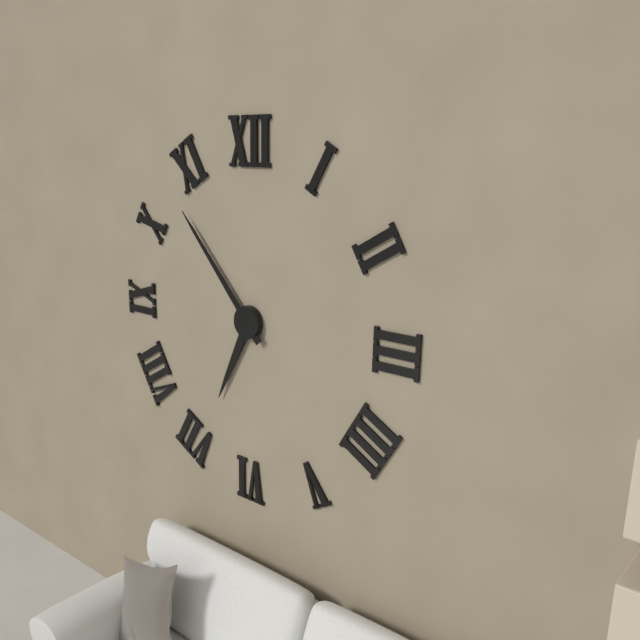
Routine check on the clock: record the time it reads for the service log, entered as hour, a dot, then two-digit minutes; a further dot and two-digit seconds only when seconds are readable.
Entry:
6.53
